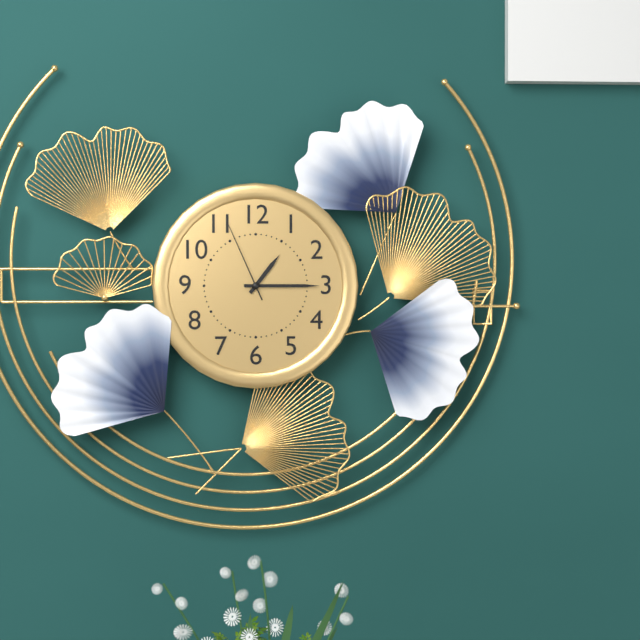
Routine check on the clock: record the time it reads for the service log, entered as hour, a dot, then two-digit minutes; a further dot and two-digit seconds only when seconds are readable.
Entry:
1.15.56
